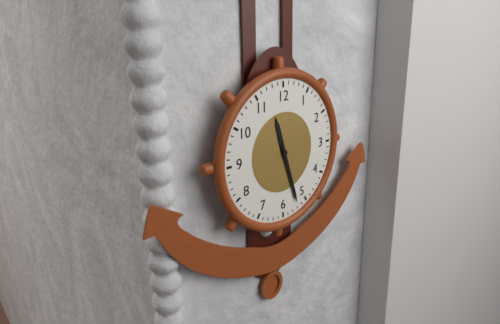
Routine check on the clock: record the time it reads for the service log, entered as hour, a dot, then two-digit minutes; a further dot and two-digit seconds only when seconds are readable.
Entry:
11.27
